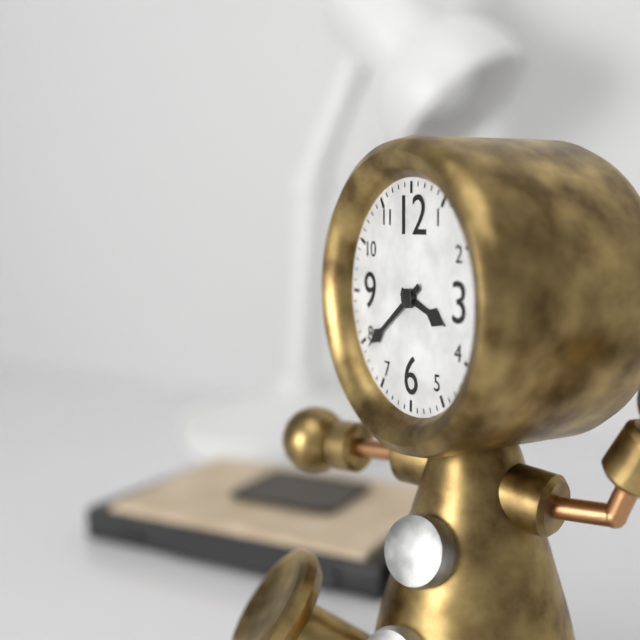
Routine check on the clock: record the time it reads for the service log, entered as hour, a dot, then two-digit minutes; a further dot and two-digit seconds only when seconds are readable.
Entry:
3.39
